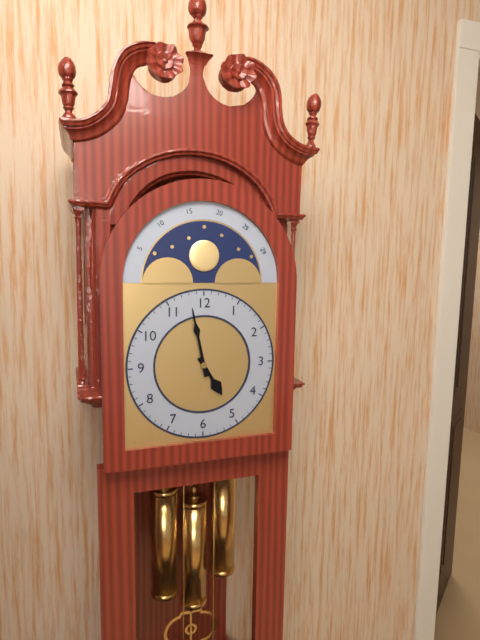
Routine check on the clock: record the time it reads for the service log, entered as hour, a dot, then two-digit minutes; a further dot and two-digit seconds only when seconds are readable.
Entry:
4.58
